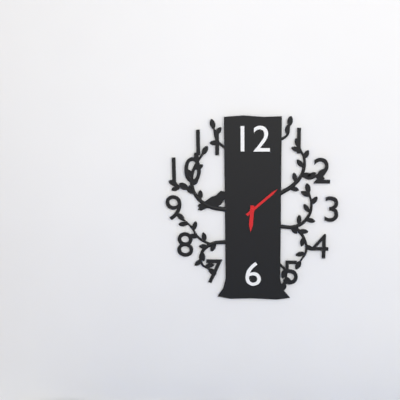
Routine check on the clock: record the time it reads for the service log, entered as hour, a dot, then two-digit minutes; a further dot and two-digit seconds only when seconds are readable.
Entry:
6.08
